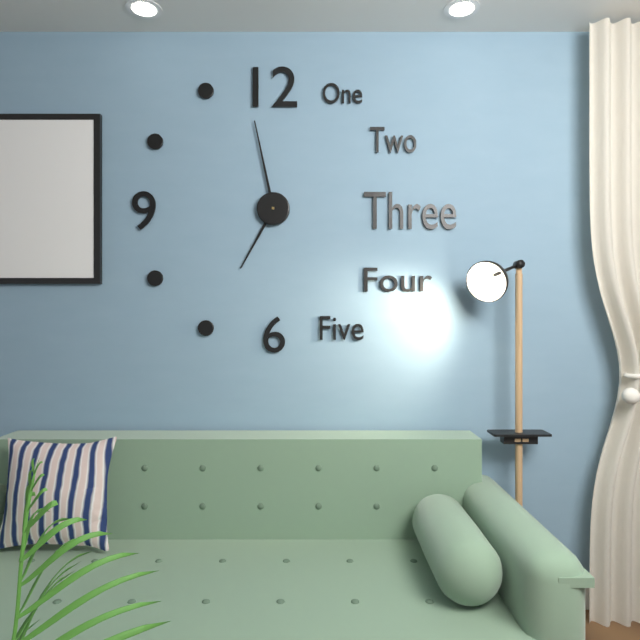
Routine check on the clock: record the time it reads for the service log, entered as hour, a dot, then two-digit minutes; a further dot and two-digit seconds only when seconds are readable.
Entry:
6.58
